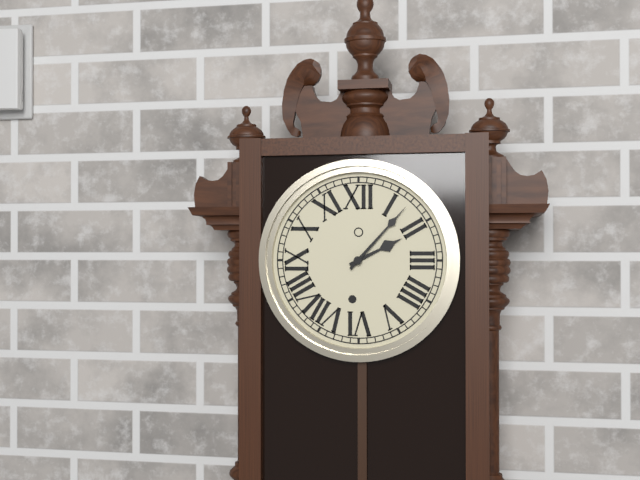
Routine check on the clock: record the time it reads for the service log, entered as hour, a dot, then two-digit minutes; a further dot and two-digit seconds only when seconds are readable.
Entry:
2.07
